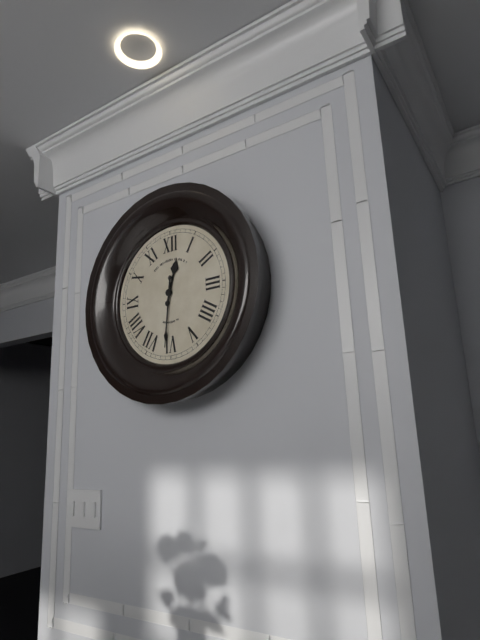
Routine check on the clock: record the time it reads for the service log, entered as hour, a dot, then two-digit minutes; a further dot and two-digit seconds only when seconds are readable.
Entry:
12.31
